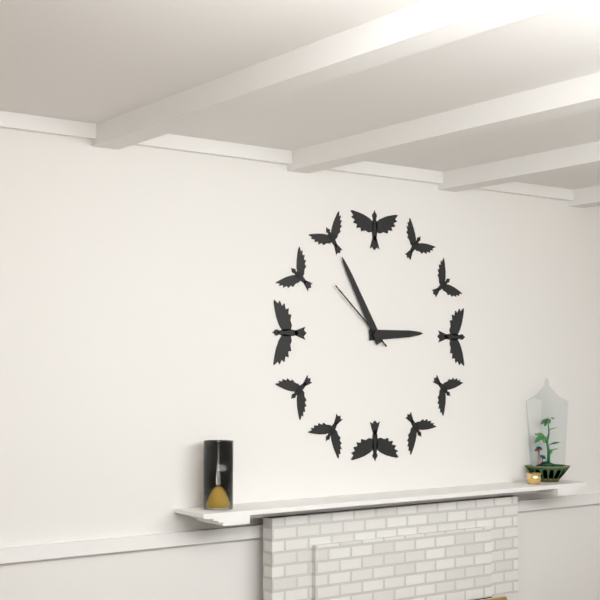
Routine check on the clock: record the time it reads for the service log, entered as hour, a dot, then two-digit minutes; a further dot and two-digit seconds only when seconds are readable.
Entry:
2.55.52
